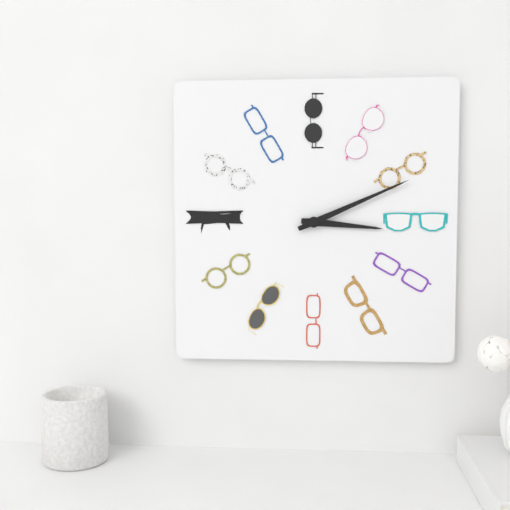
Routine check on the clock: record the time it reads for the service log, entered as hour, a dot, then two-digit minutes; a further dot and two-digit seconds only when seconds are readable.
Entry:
3.11
